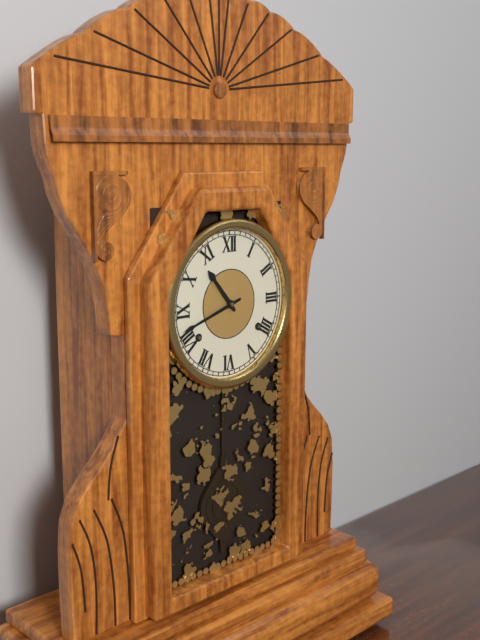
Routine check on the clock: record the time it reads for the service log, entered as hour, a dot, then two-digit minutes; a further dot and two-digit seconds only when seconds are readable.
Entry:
10.42
